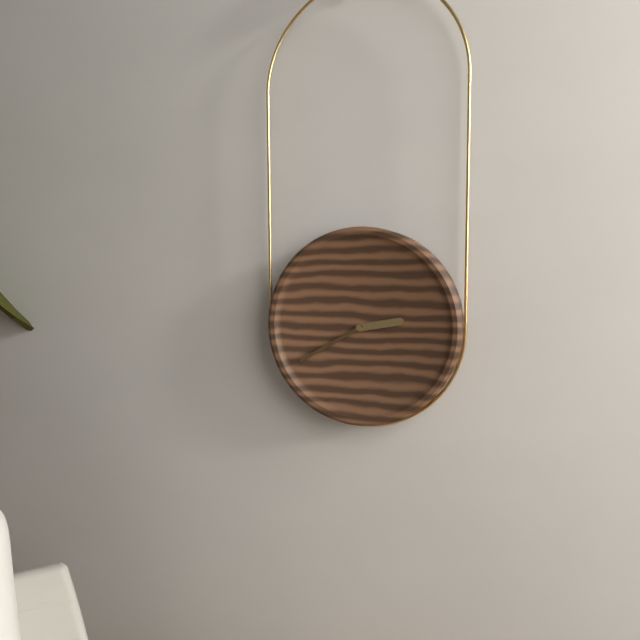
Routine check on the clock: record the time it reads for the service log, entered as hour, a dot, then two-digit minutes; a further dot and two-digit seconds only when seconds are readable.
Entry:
2.40
